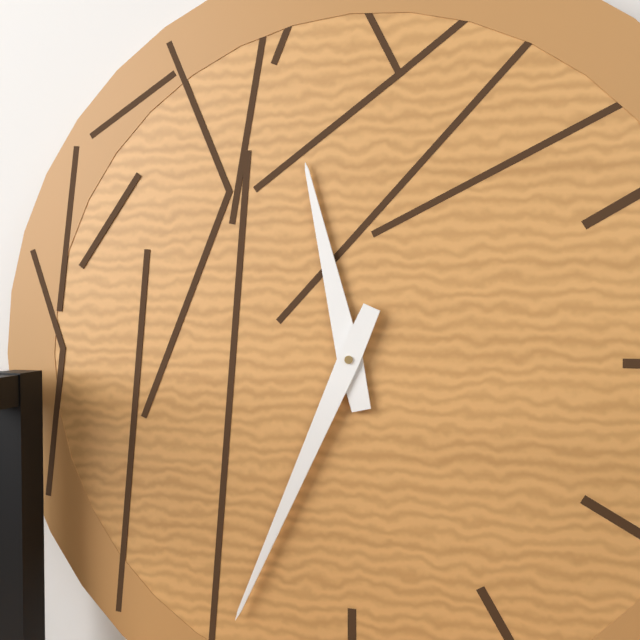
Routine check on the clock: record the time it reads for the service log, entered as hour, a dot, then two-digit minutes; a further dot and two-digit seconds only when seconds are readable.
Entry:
11.34
